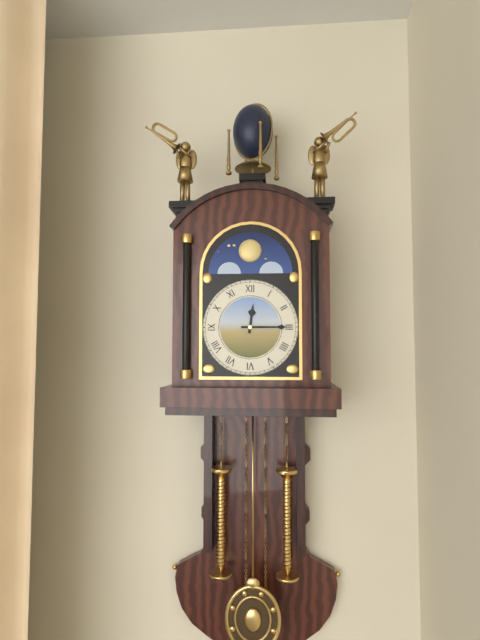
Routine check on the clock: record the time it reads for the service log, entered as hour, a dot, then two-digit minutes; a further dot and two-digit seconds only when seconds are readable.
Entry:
12.15
